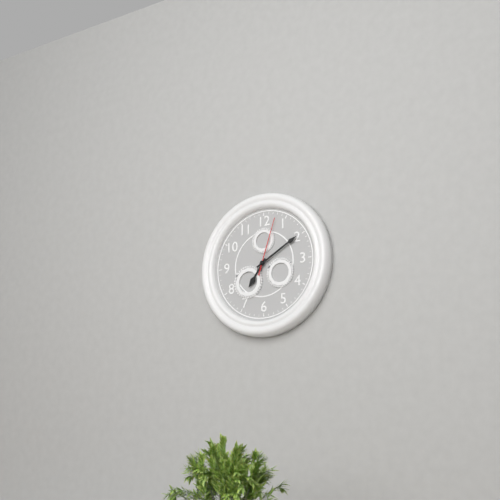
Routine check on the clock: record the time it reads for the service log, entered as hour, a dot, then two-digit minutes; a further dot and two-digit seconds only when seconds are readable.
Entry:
7.10.03
